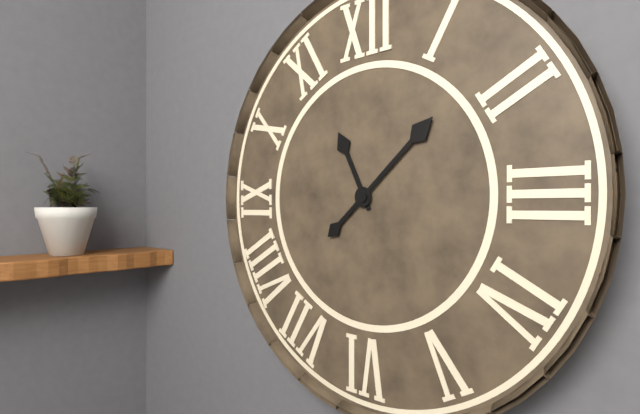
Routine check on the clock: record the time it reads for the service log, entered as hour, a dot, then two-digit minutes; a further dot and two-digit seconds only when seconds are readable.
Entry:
11.08
